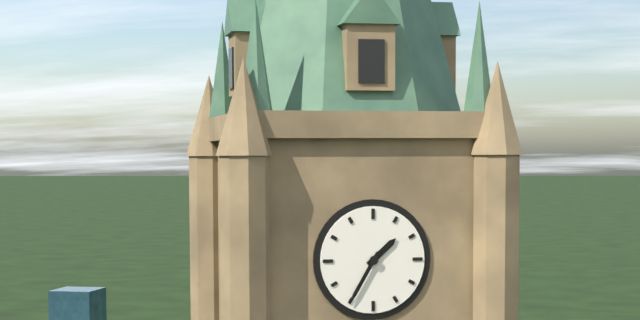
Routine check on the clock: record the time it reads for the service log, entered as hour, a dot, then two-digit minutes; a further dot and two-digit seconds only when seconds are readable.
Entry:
1.35
